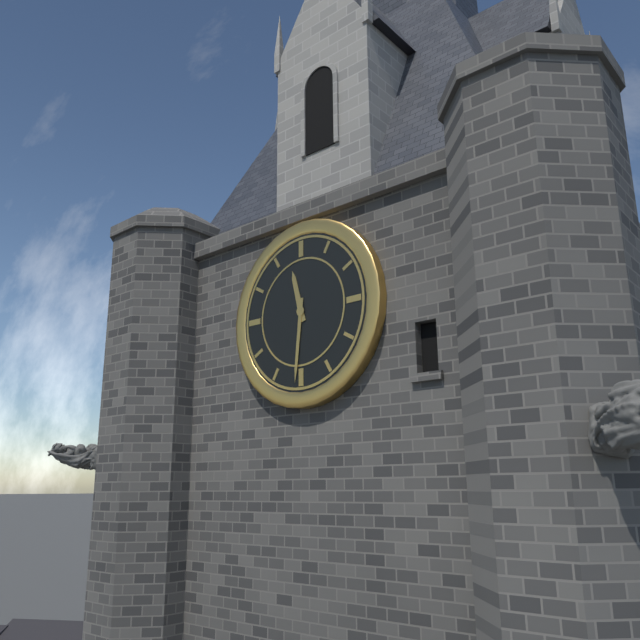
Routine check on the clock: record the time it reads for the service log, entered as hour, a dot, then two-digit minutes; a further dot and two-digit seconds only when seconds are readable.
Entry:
11.31
